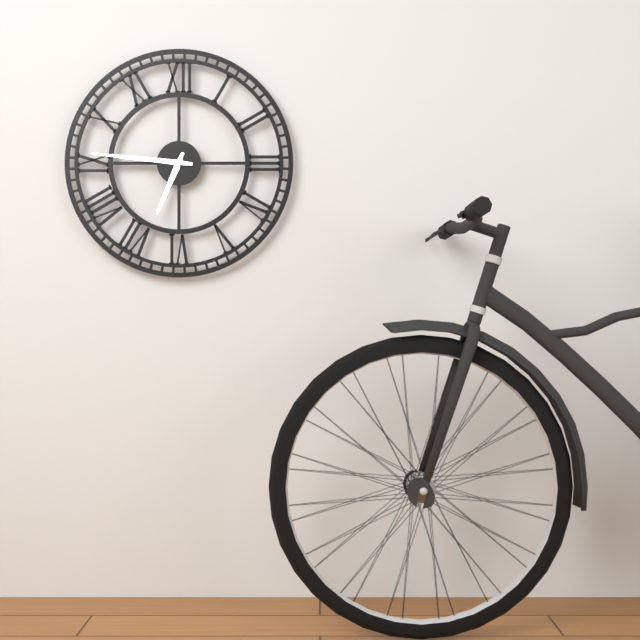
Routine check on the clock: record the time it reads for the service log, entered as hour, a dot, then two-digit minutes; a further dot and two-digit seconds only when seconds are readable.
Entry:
6.46
